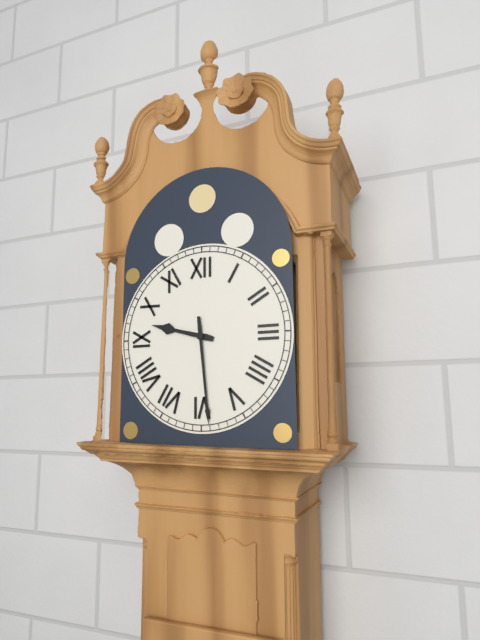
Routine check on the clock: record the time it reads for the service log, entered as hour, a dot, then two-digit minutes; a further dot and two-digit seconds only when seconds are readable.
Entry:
9.29
